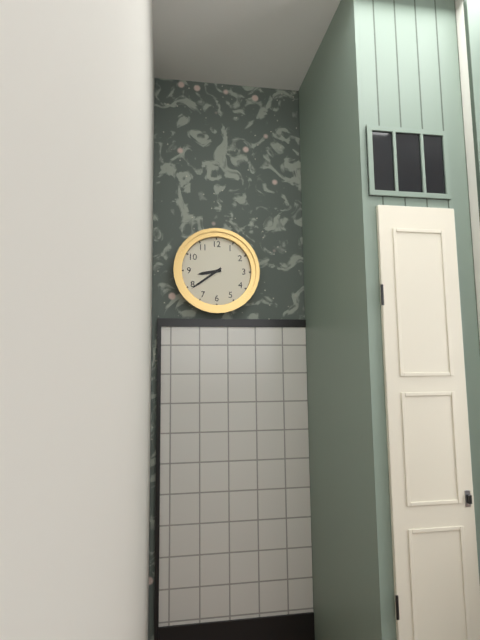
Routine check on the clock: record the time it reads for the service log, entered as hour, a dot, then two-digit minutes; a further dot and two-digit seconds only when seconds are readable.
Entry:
8.39
